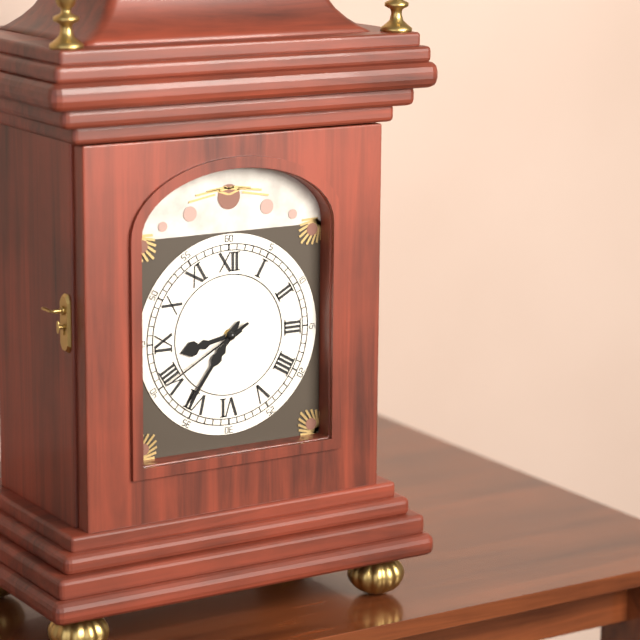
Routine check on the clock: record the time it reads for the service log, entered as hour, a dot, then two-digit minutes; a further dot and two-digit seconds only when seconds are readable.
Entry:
8.36.40
